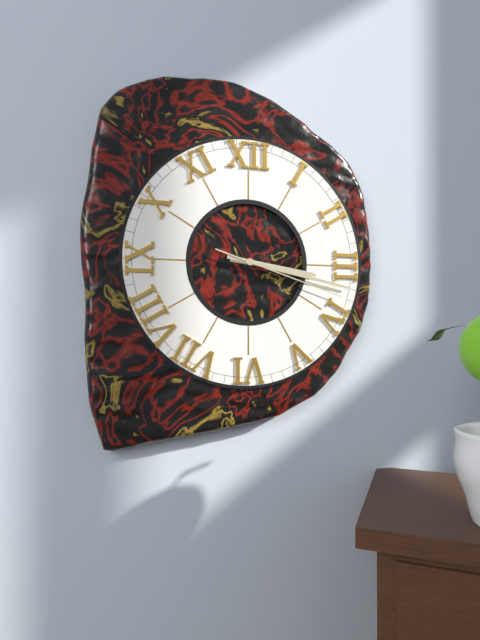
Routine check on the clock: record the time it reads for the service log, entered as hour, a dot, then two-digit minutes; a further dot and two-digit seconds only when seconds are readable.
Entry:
3.17.18
